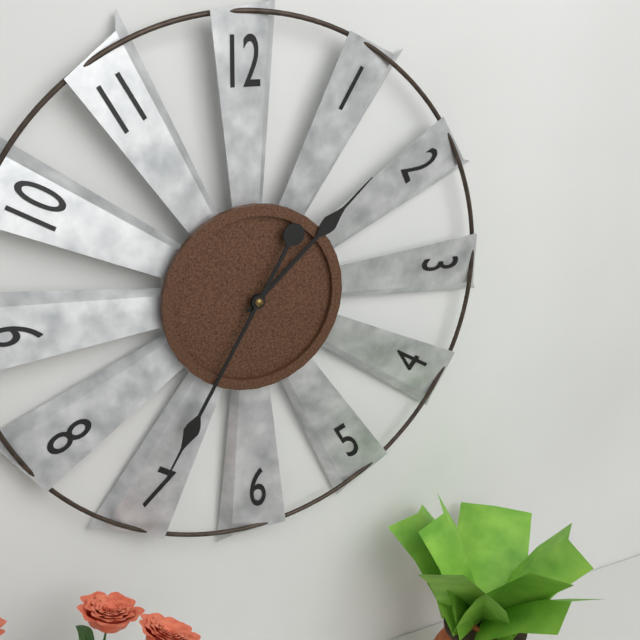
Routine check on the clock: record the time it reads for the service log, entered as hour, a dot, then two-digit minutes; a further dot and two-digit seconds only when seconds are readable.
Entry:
1.35
